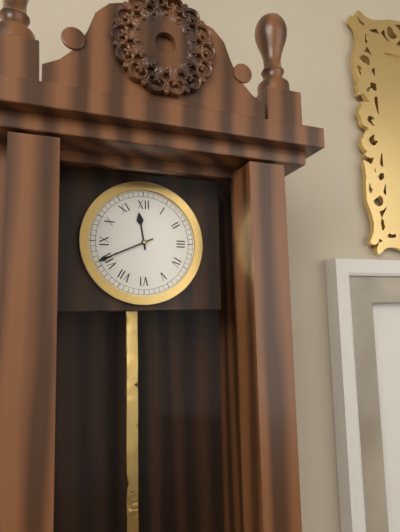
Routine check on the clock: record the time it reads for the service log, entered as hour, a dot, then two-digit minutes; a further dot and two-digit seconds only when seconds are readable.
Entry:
11.41
